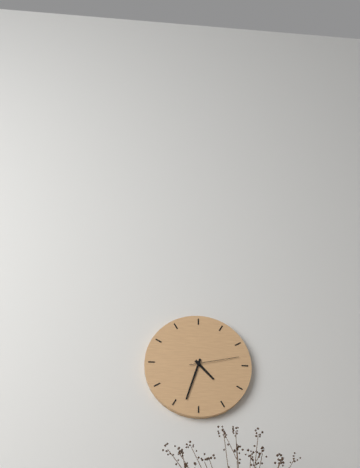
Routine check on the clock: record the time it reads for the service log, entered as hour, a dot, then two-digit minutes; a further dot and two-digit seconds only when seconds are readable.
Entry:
4.33.13
